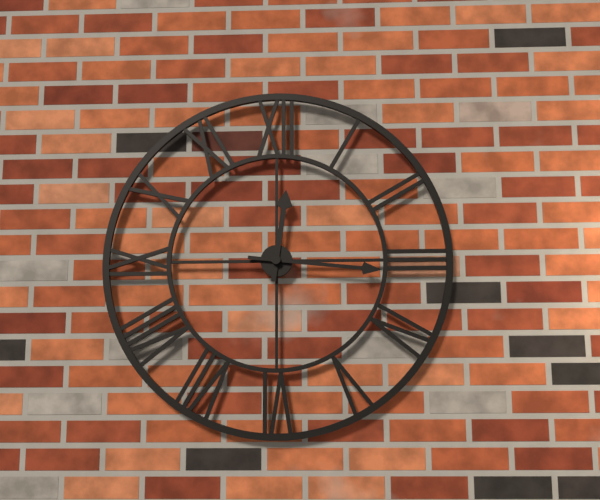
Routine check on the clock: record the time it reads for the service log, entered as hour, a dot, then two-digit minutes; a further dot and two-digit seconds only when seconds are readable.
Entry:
12.16
